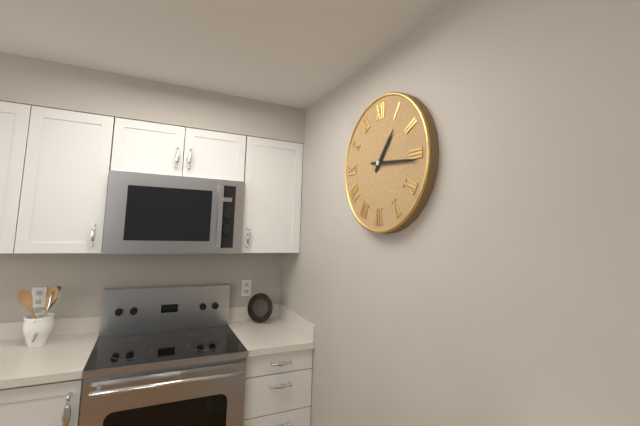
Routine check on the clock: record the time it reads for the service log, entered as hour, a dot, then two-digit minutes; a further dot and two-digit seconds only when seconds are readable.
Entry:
1.16
